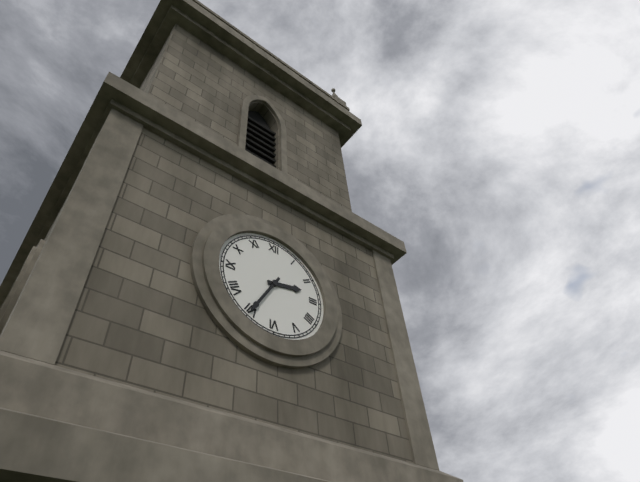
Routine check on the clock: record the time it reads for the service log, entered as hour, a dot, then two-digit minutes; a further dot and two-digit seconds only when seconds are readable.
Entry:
2.35
